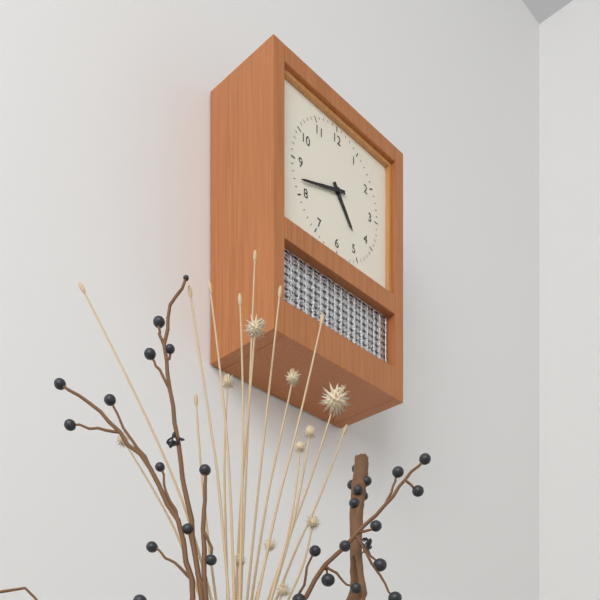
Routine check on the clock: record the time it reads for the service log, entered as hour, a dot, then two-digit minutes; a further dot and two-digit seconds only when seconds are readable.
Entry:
4.42
